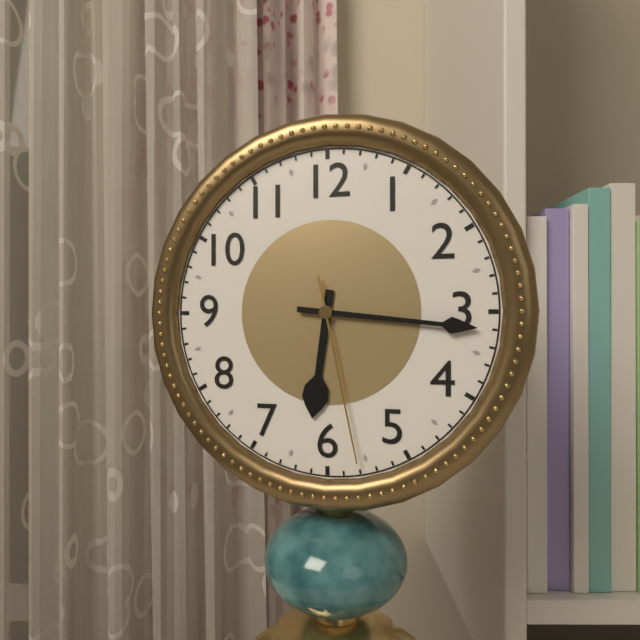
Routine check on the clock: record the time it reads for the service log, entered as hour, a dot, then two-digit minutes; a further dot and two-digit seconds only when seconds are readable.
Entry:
6.16.28
